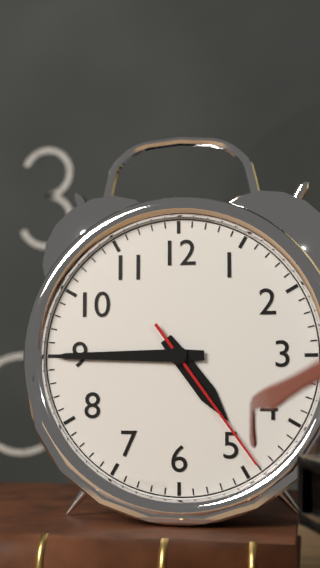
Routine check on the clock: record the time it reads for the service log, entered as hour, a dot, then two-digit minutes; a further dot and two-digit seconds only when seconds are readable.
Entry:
4.45.24
